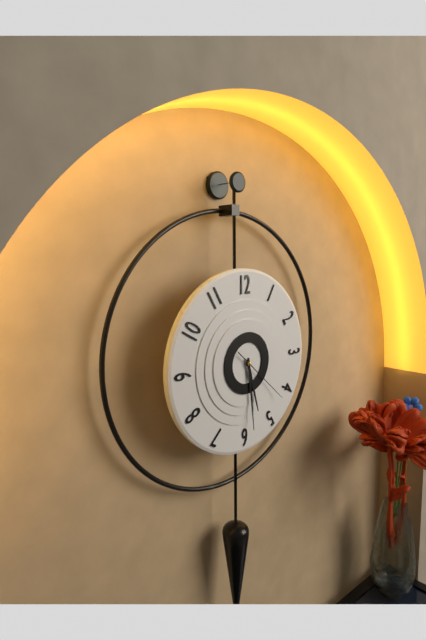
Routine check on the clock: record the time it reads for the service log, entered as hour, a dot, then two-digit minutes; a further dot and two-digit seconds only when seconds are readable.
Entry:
5.29.22
